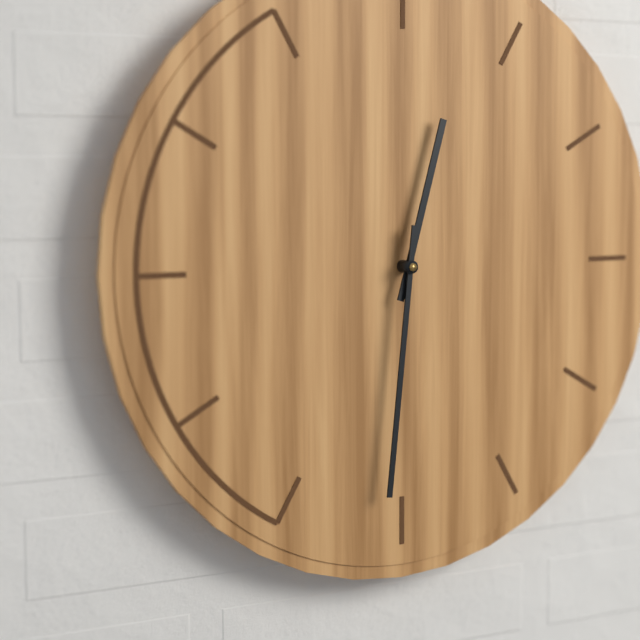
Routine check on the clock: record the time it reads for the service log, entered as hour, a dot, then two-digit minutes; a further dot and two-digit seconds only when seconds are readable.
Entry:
12.31
